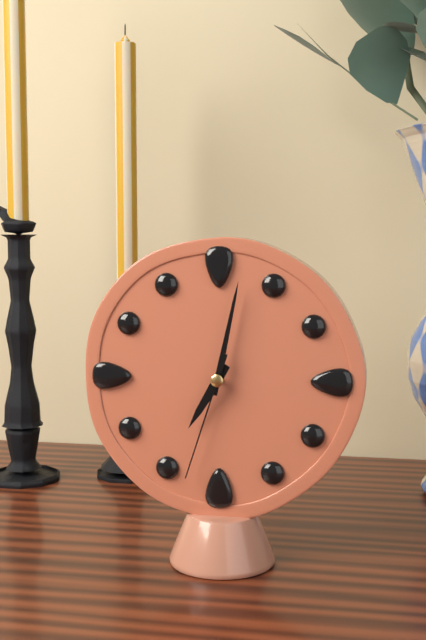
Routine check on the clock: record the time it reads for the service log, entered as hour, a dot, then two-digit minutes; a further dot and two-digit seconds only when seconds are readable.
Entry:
7.02.33
